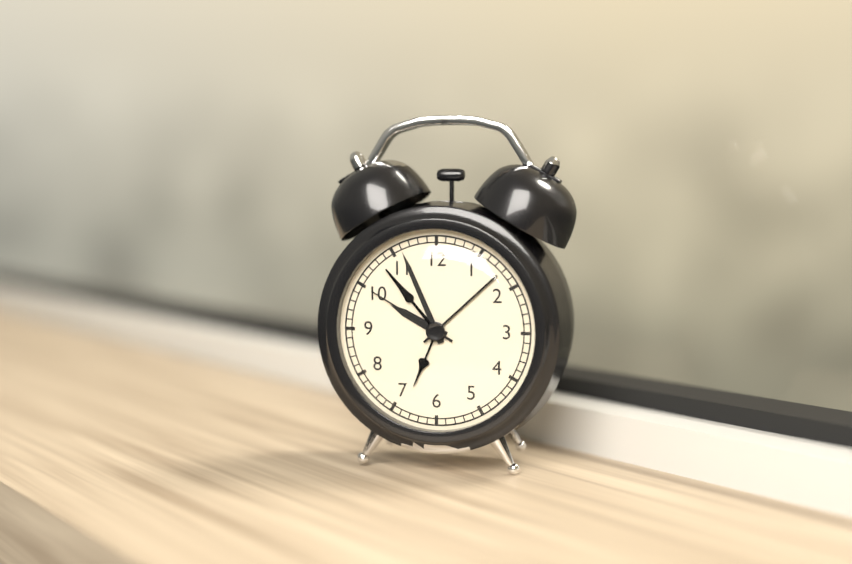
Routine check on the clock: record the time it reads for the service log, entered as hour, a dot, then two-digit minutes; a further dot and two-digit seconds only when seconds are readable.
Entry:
9.56.50
